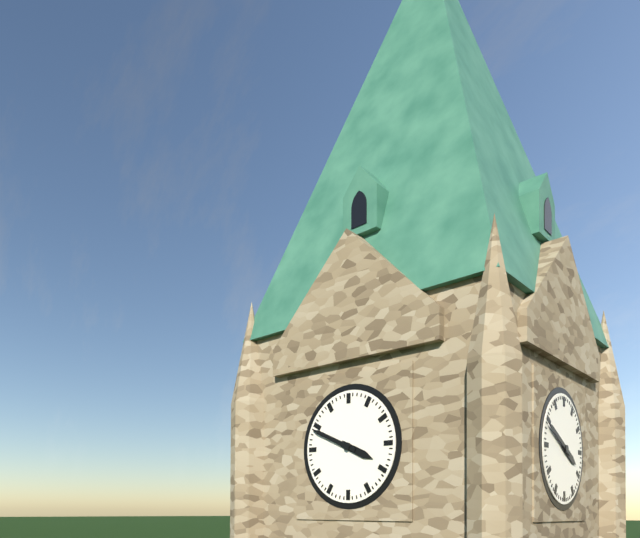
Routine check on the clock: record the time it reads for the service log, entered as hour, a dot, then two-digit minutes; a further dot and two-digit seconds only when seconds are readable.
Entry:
3.49
